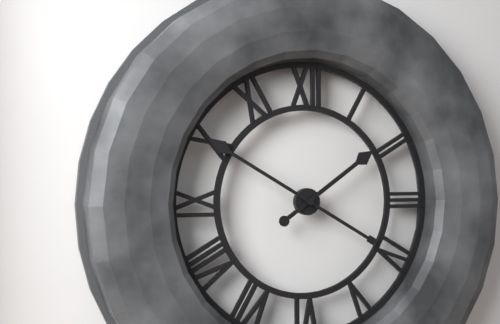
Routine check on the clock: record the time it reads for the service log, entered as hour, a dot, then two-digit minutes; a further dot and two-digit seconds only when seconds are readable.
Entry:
1.50
